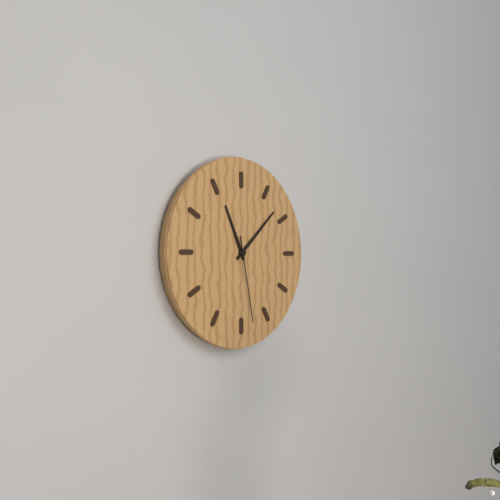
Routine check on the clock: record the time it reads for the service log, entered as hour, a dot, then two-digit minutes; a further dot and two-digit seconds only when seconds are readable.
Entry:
11.08.28
